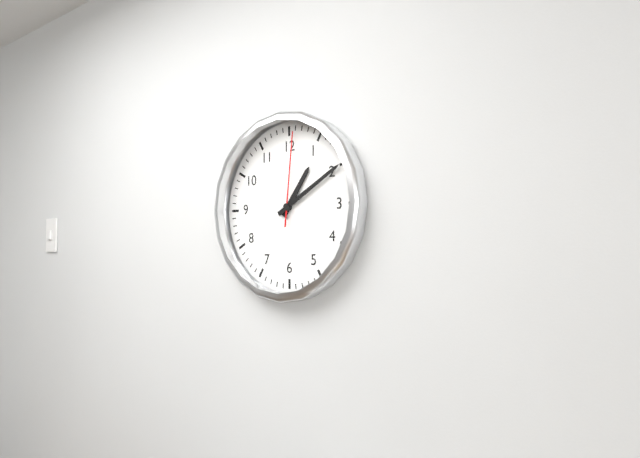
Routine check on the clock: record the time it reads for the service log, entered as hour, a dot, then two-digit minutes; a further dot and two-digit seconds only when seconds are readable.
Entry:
1.10.01
